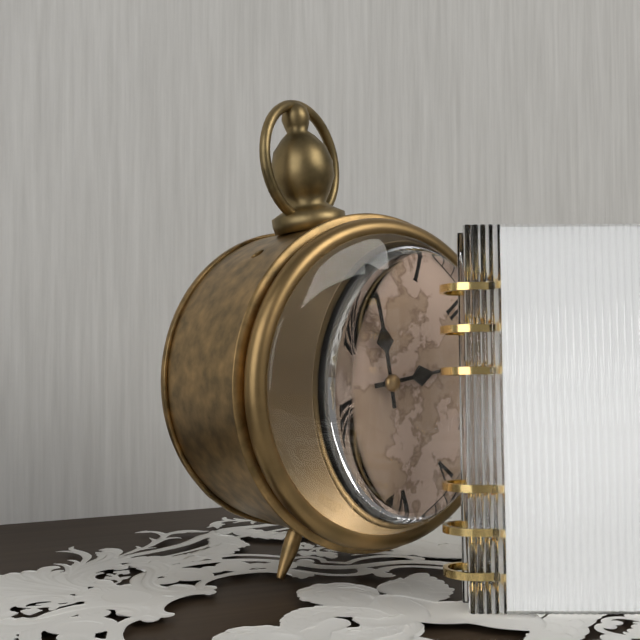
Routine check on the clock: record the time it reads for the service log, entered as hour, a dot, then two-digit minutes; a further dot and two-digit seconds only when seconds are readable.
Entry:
3.00
